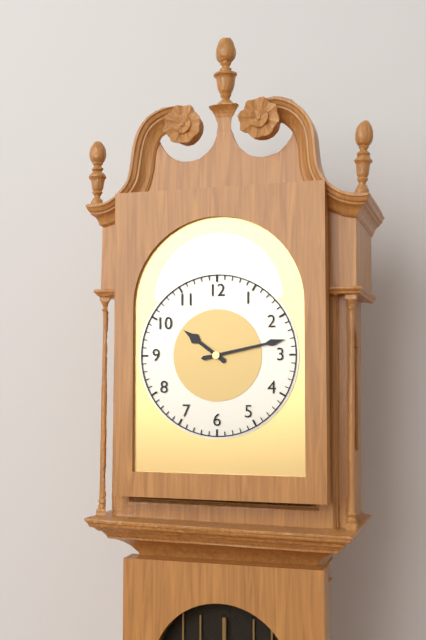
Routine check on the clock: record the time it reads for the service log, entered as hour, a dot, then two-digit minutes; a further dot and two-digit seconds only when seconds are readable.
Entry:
10.13
